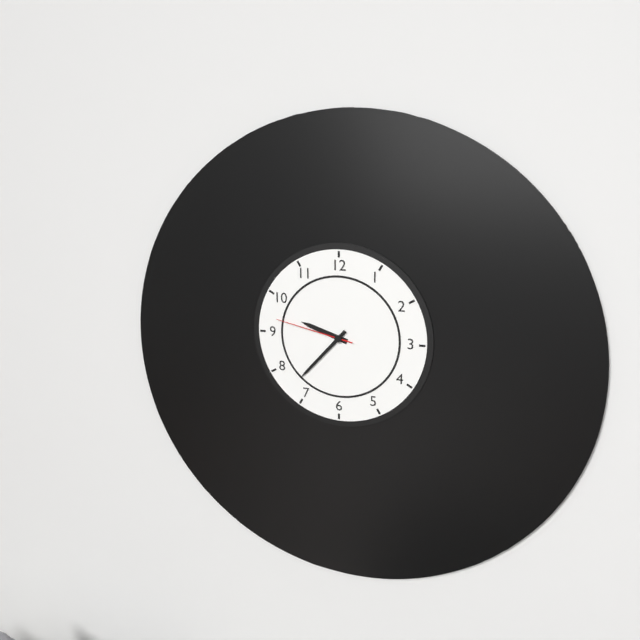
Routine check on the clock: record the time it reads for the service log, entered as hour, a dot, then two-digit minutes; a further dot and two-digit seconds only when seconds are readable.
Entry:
9.37.47
